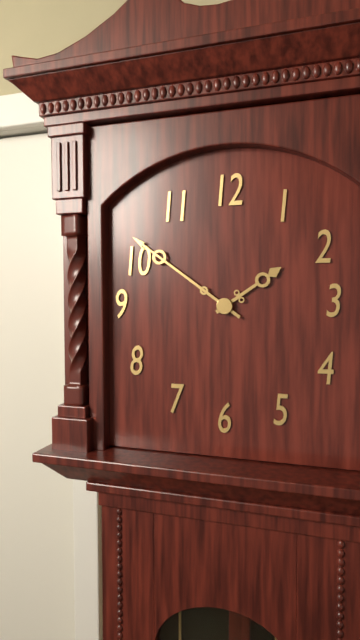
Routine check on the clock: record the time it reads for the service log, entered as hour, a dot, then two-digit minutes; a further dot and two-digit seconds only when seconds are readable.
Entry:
1.51
